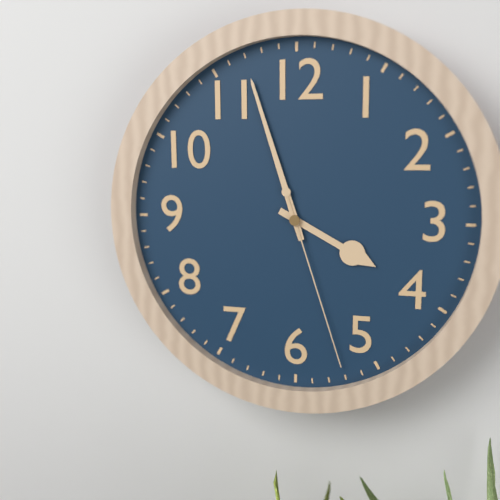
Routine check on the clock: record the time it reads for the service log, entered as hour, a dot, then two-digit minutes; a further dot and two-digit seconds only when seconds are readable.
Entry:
3.57.27
